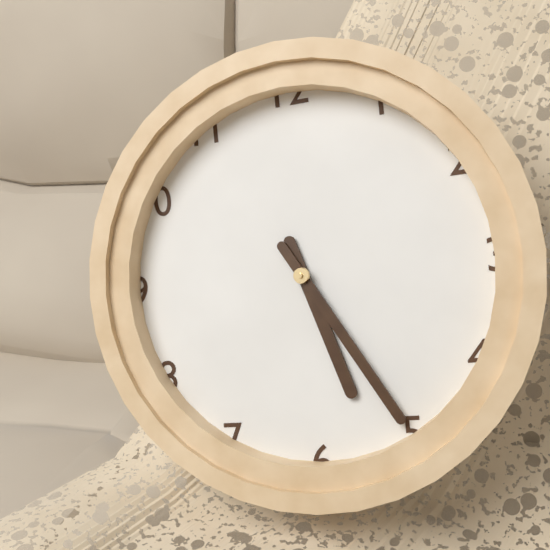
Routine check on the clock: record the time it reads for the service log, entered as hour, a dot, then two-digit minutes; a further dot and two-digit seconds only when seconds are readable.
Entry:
5.25
